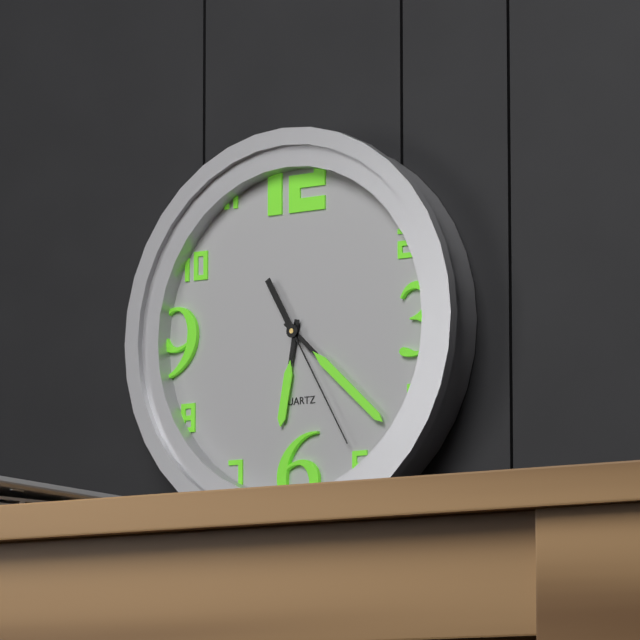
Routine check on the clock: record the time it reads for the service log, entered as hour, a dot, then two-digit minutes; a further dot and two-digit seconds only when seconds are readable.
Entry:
6.22.25
